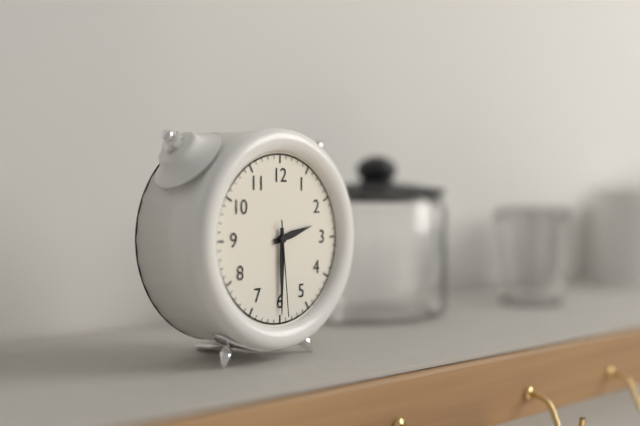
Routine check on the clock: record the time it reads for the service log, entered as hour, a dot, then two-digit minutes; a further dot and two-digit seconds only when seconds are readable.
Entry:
2.30.29
